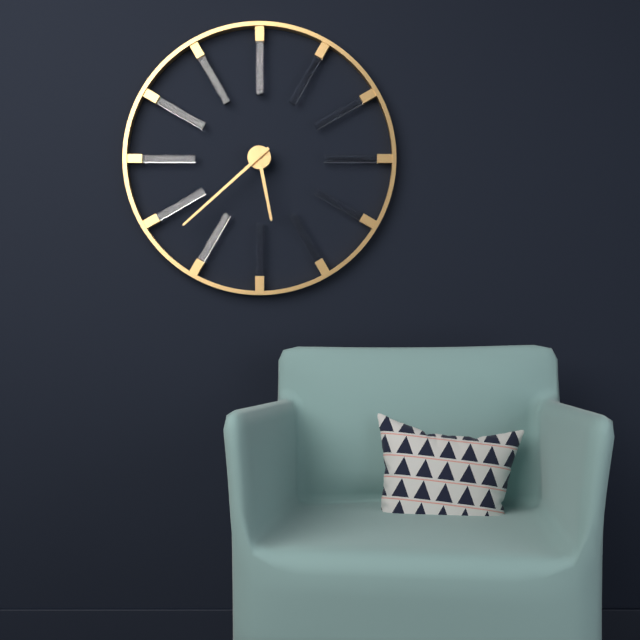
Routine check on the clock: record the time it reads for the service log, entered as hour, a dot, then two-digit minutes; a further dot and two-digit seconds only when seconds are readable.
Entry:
5.38
